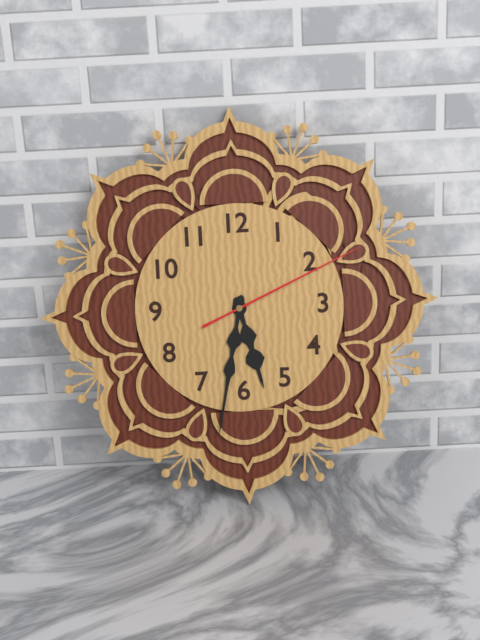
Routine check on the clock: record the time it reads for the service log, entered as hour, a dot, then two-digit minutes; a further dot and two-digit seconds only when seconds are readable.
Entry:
5.32.11
